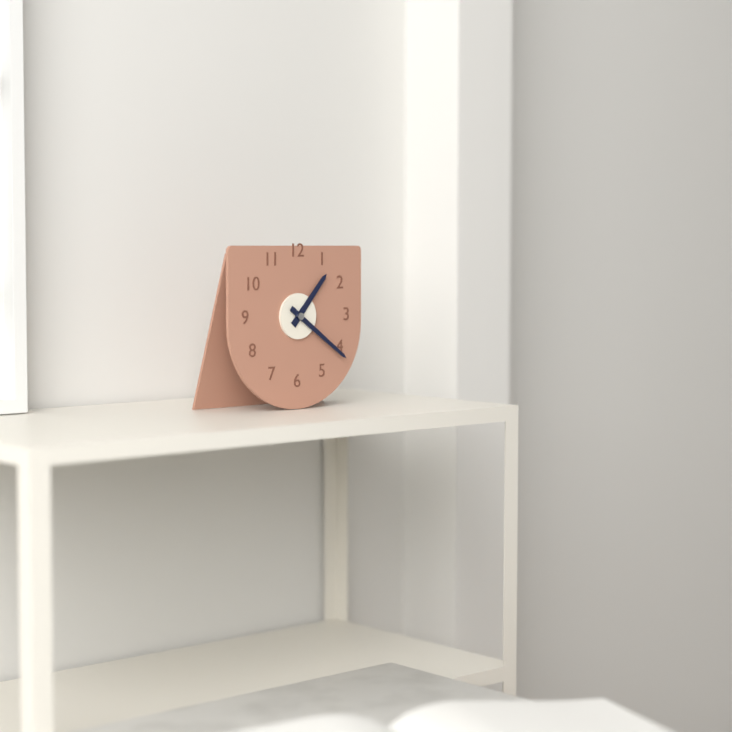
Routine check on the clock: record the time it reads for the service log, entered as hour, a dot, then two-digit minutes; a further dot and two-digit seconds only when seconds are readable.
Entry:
1.21
